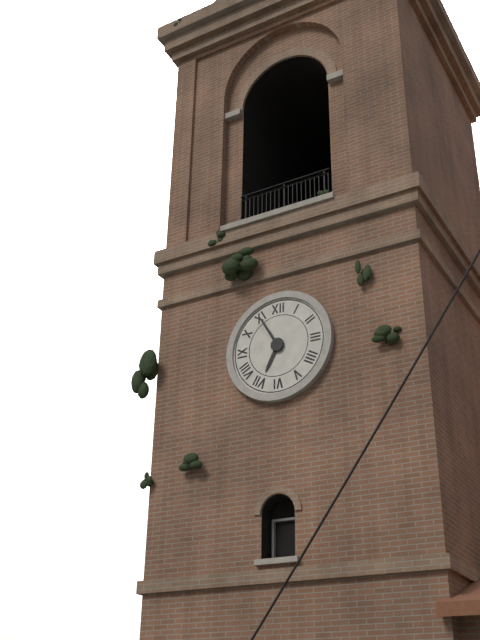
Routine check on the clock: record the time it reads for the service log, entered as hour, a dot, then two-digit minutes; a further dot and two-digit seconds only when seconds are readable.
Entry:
6.55
